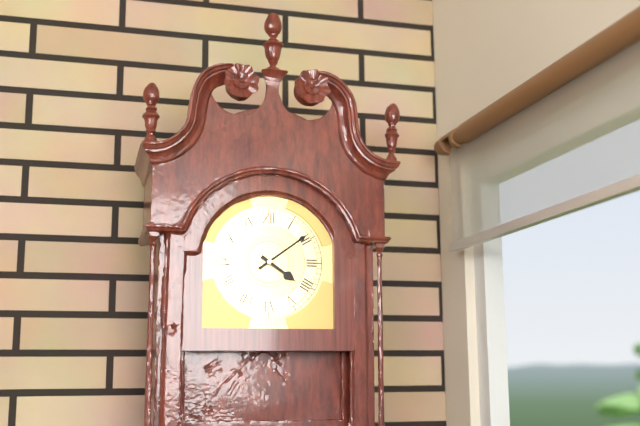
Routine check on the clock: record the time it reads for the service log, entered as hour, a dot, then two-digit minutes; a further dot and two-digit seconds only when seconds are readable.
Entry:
4.09
